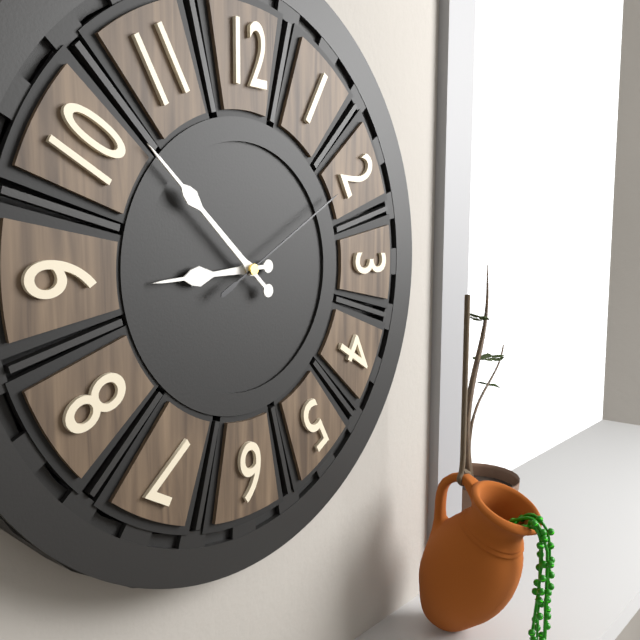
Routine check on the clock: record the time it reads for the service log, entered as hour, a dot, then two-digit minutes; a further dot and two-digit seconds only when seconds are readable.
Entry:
8.52.10
